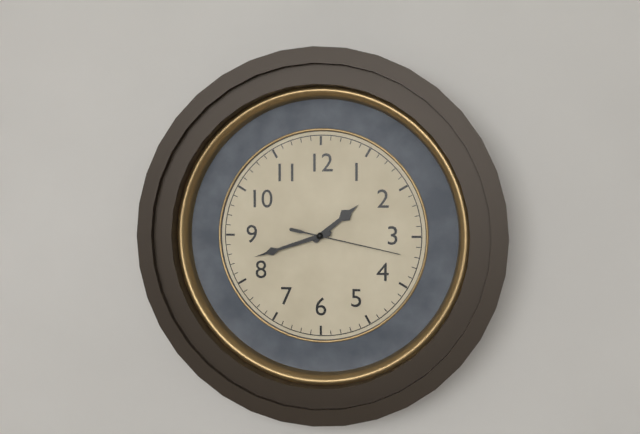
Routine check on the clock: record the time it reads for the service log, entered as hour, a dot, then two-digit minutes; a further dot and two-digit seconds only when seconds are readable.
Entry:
1.42.17
